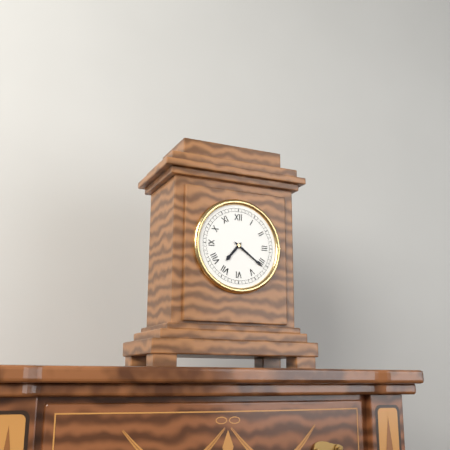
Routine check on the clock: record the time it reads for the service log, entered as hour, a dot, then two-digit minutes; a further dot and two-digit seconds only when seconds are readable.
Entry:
7.21
